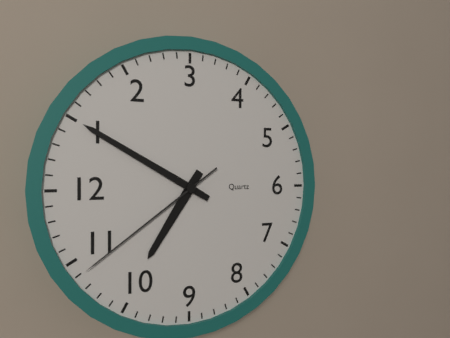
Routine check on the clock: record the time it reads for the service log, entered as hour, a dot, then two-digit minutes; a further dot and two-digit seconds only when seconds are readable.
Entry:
10.05.54
